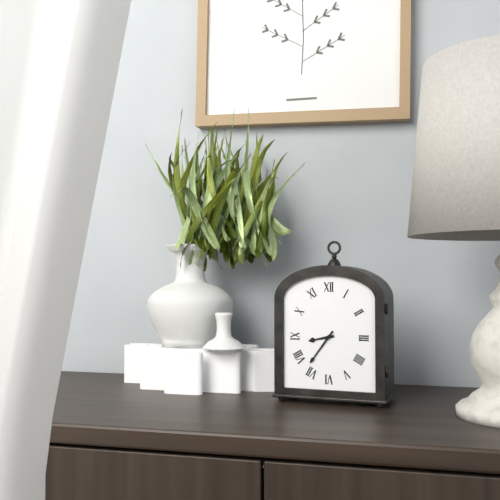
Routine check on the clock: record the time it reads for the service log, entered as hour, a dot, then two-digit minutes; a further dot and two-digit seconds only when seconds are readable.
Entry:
8.36
